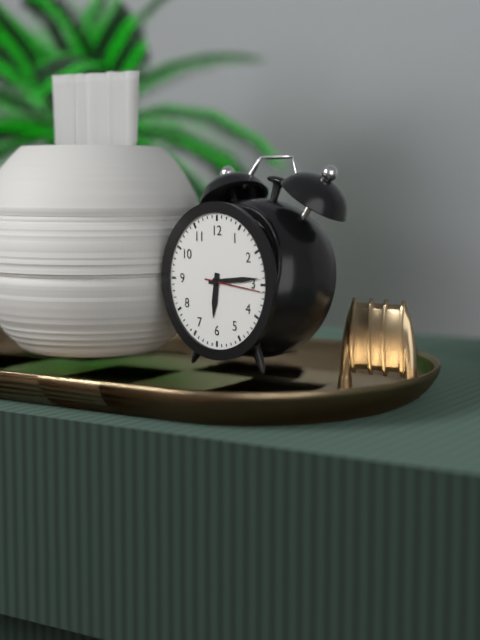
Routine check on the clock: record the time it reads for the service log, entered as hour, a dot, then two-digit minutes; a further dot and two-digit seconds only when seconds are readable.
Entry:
6.14.16
